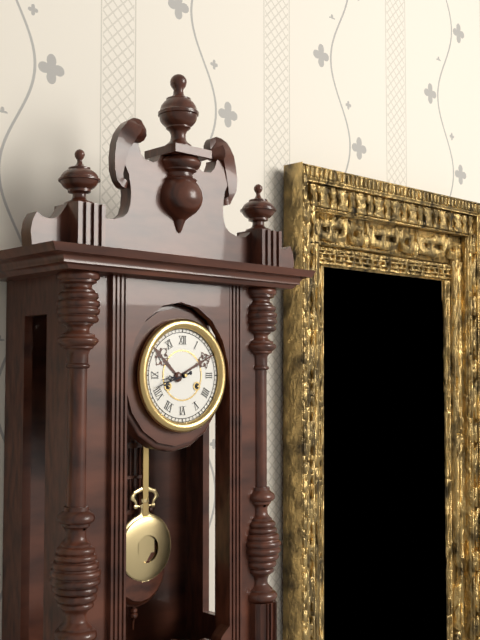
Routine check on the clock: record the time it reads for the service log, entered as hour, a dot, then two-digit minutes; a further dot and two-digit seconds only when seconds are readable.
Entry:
8.42
